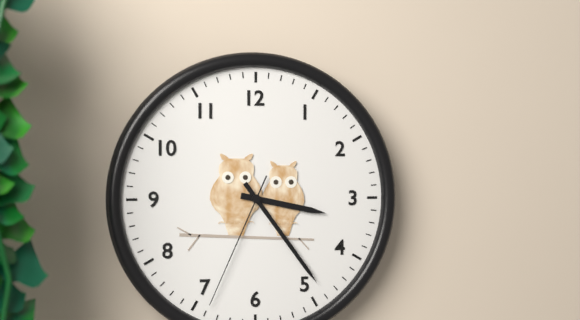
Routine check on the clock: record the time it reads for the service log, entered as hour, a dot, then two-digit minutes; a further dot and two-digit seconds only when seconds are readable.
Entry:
3.24.34
